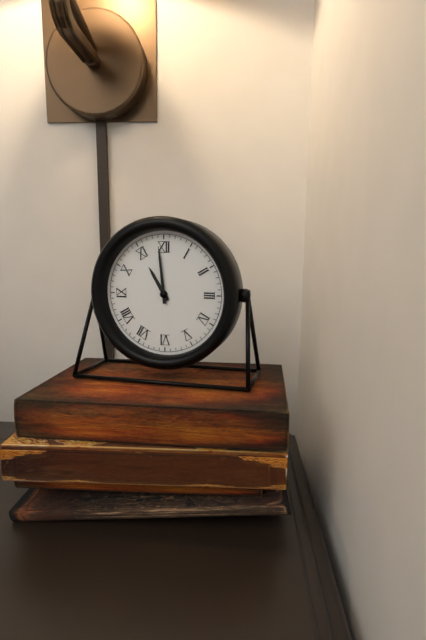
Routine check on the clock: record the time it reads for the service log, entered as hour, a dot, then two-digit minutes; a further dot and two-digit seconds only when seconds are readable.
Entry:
10.59
